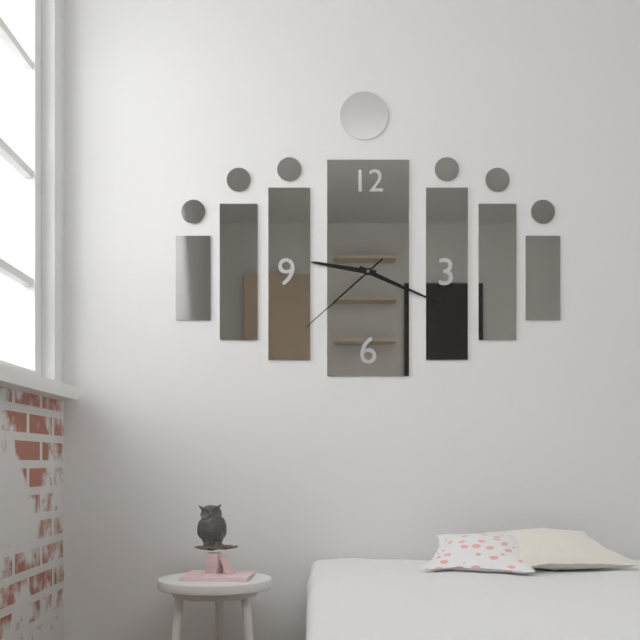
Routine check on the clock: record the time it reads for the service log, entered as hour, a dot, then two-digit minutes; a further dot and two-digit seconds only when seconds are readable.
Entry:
9.19.38
